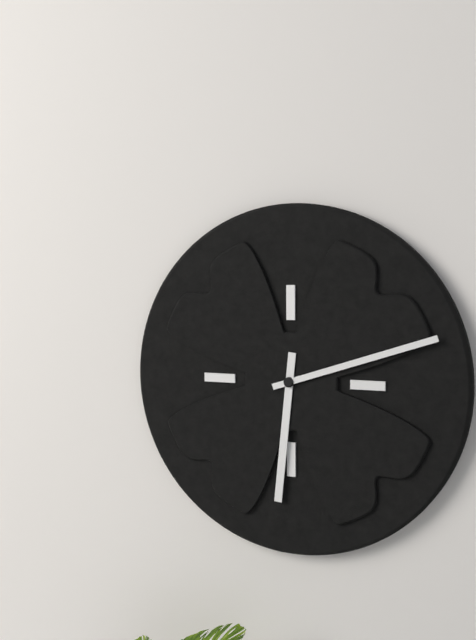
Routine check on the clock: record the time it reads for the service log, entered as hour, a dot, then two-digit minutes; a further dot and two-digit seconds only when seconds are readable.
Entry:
6.12
